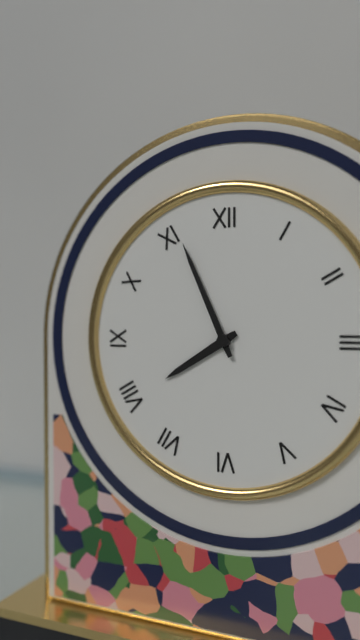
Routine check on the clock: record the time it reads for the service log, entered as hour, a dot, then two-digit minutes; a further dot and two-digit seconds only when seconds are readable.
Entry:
7.56
